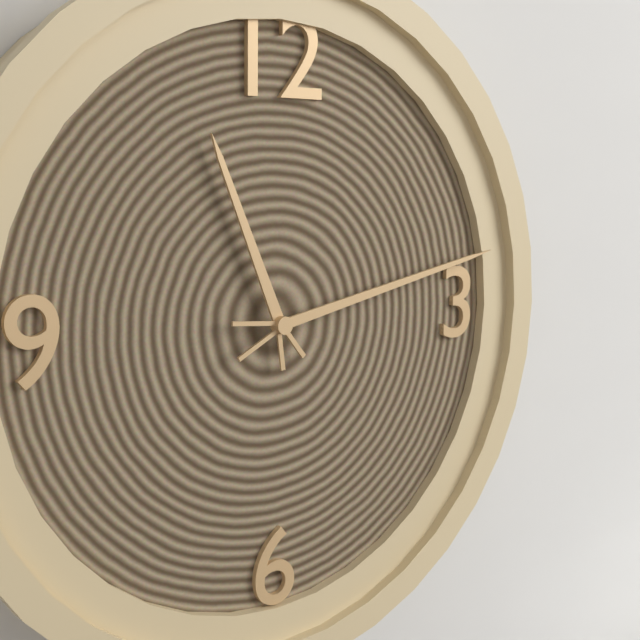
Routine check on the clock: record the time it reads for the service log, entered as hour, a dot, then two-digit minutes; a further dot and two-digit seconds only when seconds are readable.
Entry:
11.13
